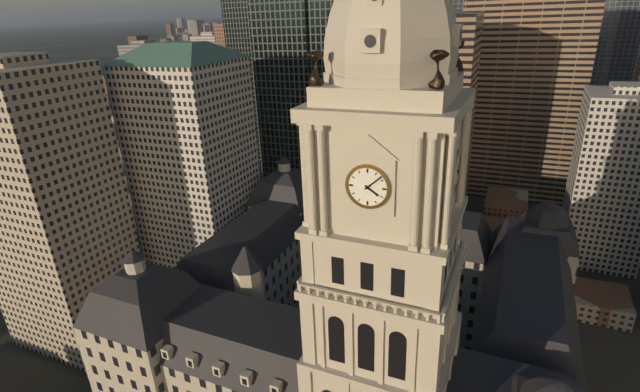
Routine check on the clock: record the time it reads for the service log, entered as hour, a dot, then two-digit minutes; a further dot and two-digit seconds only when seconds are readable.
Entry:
4.08
